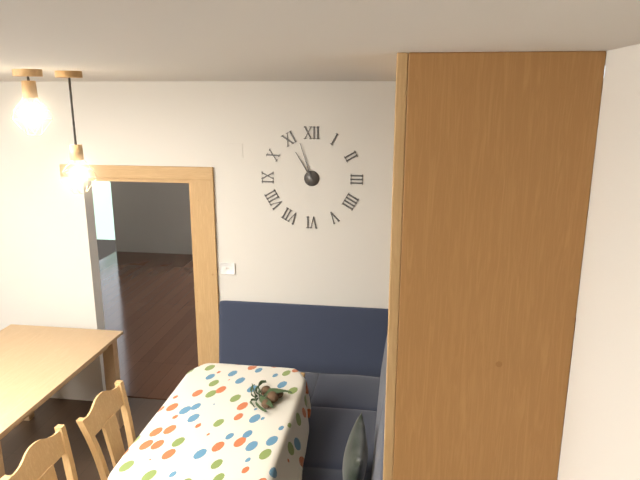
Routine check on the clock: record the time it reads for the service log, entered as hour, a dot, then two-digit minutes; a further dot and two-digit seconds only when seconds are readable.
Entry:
10.57
